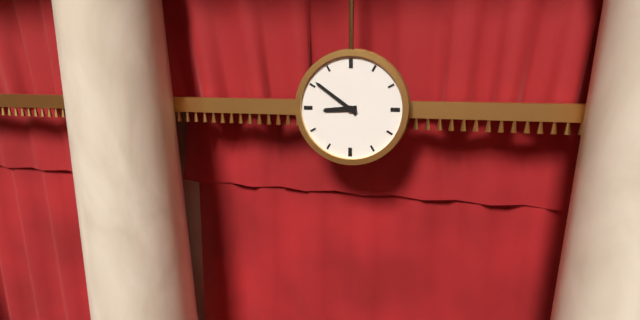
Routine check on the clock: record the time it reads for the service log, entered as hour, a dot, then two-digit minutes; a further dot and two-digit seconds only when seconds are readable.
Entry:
8.51
